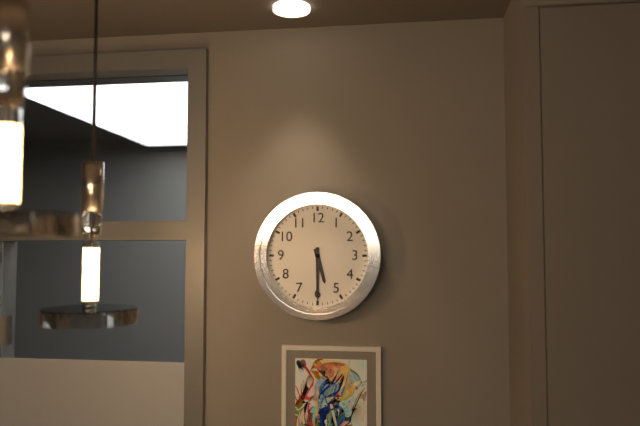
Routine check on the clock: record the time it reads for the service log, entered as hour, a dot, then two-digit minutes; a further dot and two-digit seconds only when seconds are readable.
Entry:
5.30
